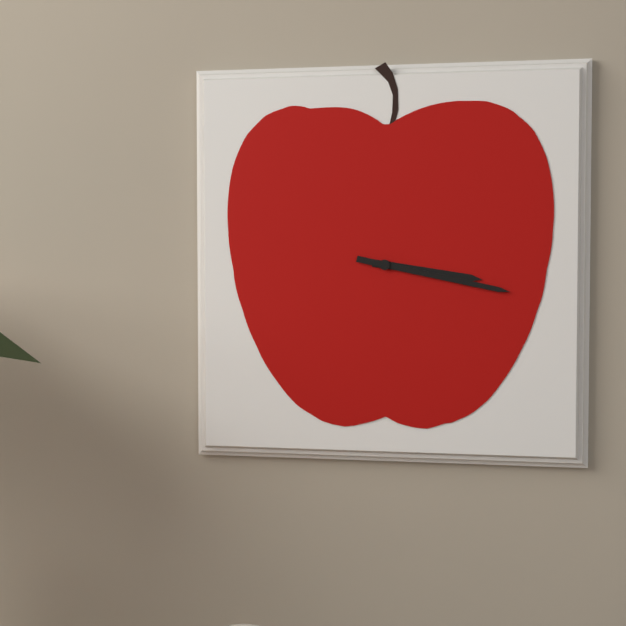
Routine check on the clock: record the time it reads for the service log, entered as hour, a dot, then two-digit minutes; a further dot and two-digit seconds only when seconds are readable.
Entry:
3.17
